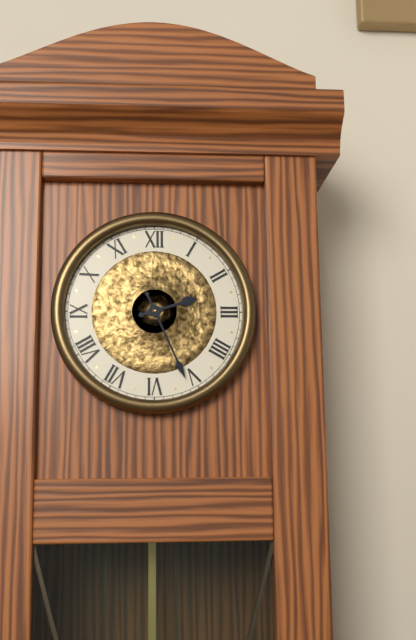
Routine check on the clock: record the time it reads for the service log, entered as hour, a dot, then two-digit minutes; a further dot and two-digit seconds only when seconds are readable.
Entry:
2.26
